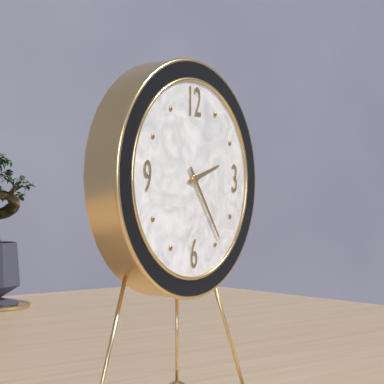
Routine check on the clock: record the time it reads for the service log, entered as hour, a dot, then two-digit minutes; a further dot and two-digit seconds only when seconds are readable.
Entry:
2.24
